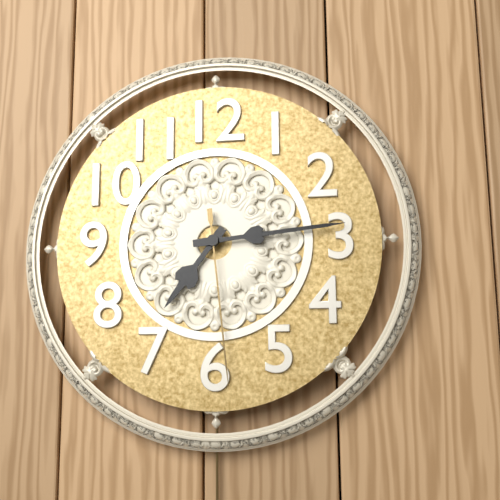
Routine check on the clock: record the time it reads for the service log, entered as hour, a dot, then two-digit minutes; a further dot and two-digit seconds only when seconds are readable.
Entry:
7.14.29
